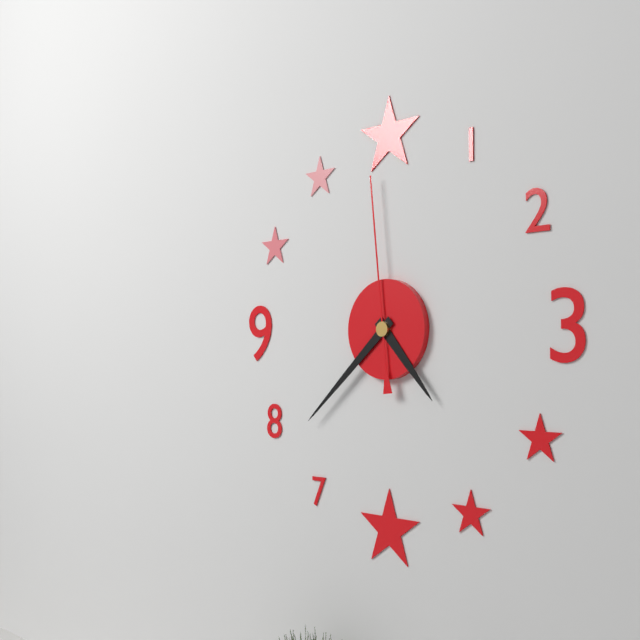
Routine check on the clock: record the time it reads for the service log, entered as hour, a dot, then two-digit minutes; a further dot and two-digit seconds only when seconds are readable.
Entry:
4.38.59
